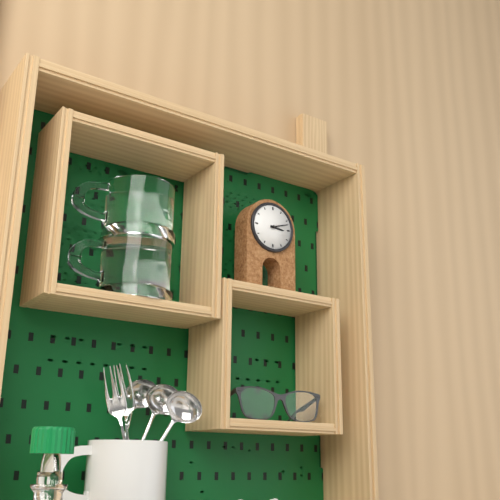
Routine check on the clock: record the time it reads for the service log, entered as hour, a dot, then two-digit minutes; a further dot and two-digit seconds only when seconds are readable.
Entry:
3.12
